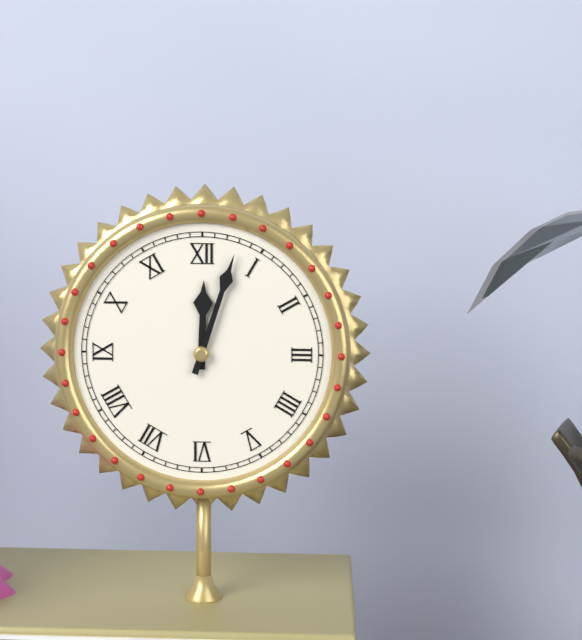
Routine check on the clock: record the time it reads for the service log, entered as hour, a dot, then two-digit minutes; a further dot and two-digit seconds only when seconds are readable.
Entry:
12.03
